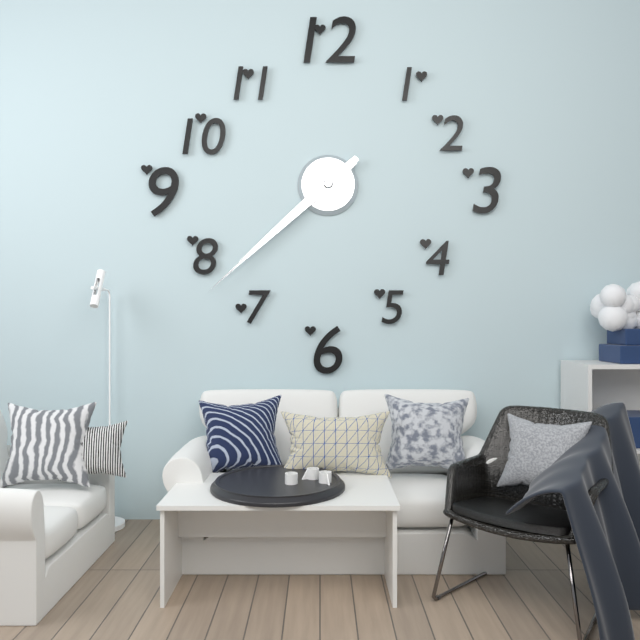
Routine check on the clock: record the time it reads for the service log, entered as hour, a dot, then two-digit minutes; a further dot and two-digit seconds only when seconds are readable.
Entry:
7.38
